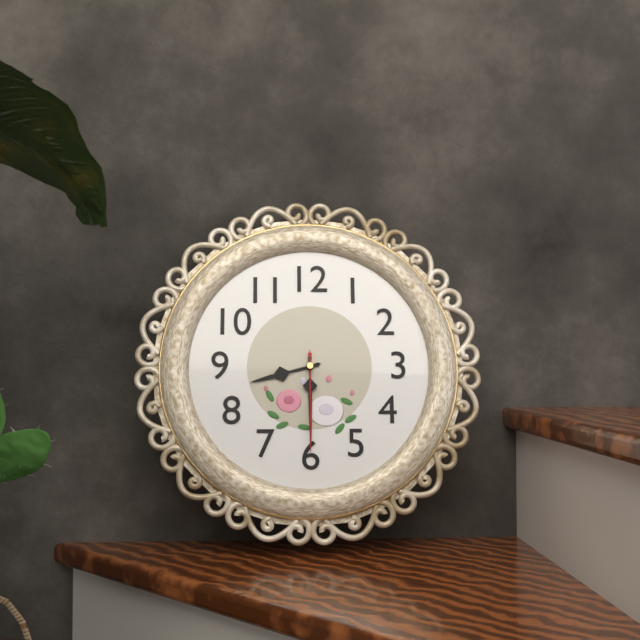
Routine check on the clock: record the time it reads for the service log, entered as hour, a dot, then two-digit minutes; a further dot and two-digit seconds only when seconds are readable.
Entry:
8.30.30
